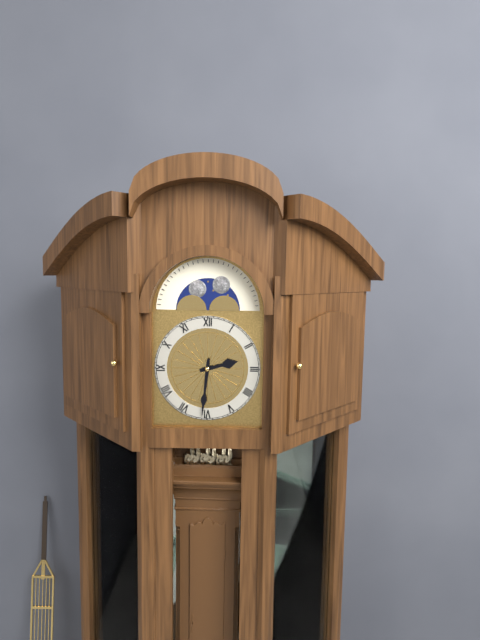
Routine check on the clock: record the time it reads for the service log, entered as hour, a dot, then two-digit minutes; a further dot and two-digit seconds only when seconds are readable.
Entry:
2.31
